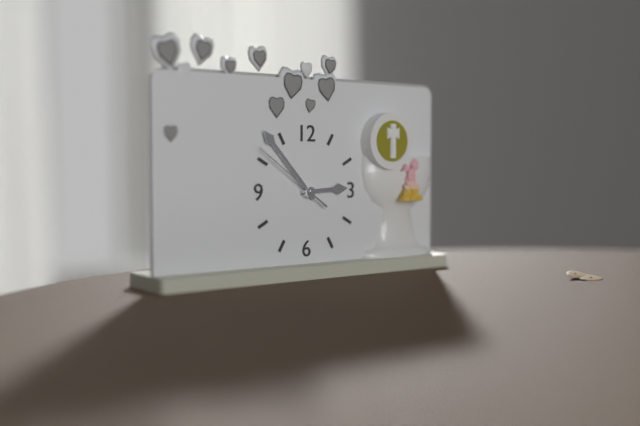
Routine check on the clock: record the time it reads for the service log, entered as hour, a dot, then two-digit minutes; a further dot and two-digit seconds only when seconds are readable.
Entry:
2.53.51
